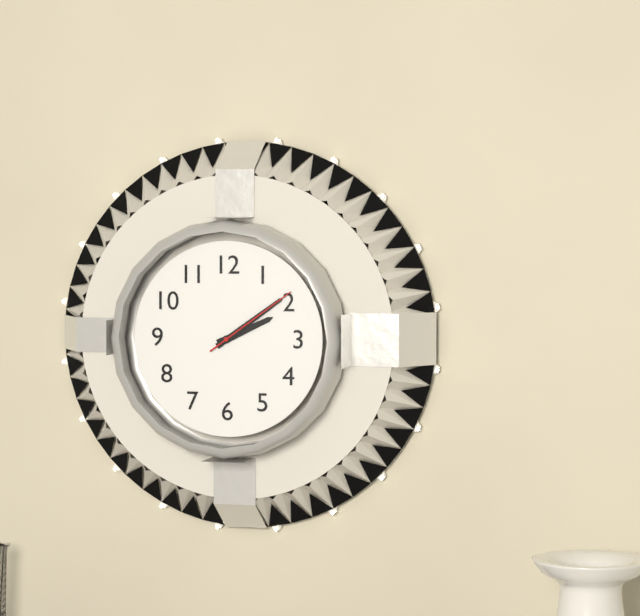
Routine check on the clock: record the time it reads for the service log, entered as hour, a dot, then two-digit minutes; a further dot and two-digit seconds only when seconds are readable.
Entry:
2.09.09
